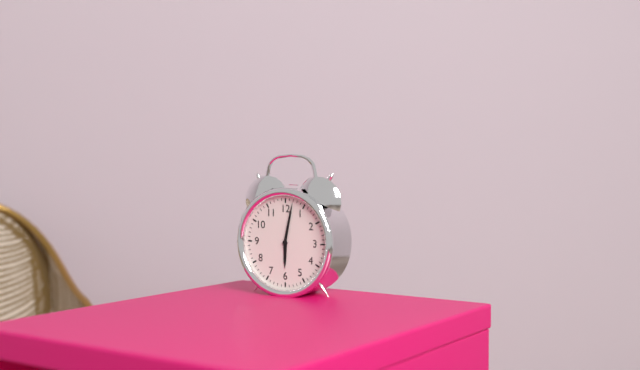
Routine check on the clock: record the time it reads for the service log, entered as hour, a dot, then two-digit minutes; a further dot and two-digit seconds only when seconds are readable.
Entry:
6.02
